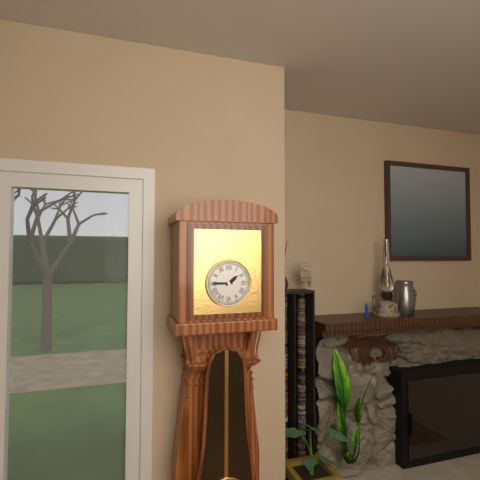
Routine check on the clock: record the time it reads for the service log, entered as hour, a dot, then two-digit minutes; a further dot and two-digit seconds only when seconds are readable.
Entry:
1.45
